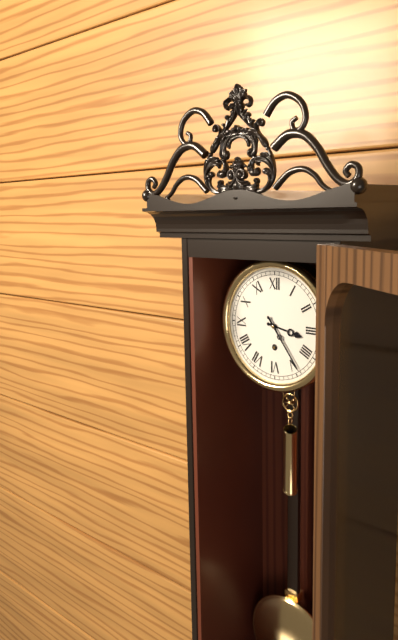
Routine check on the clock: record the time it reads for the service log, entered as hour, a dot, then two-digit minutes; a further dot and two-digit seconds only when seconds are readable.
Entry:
3.24
